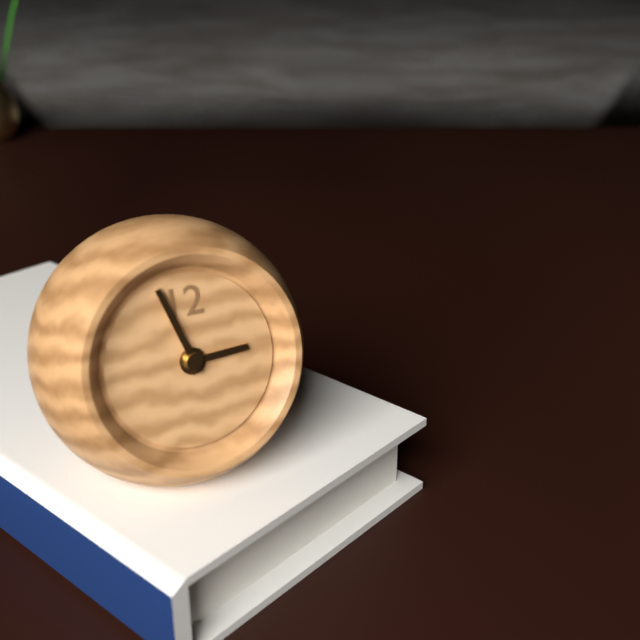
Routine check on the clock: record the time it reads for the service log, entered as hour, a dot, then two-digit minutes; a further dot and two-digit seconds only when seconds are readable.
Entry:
2.57
